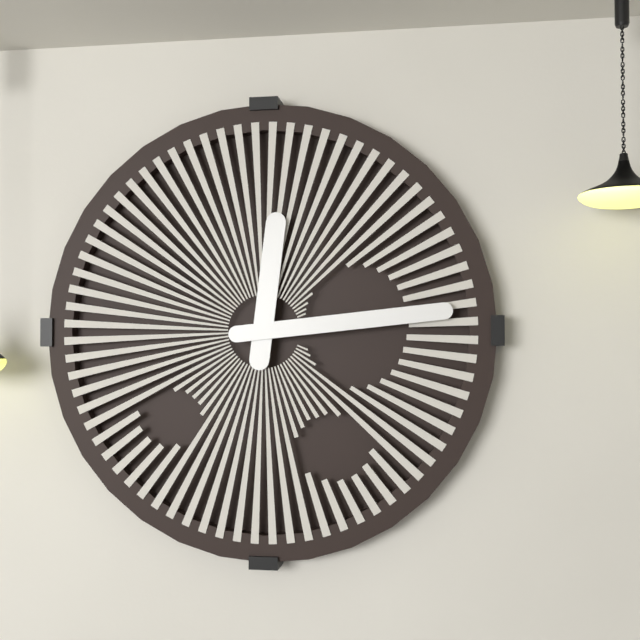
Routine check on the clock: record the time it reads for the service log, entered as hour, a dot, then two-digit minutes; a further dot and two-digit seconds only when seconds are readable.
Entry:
12.14
